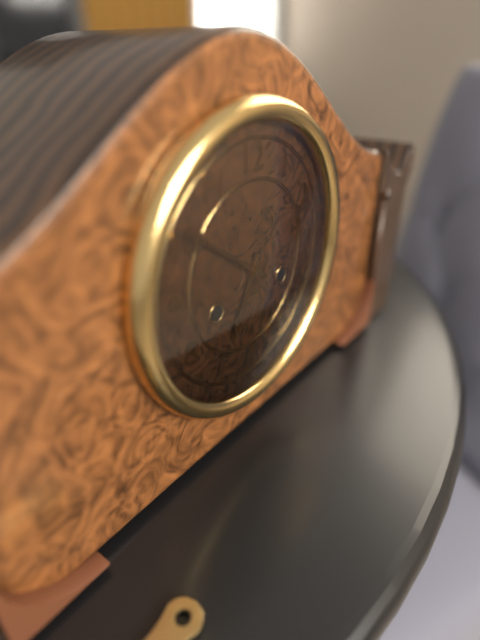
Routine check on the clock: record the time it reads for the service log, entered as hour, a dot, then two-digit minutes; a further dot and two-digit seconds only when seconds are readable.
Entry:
6.51
